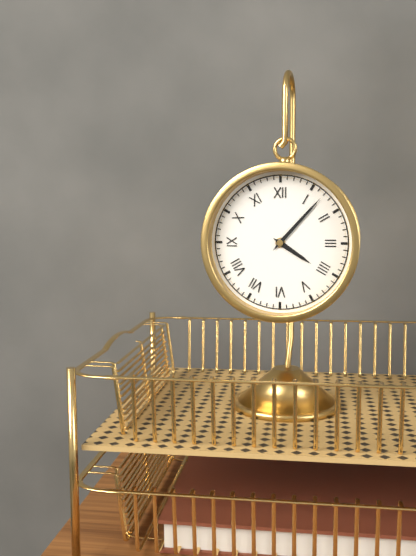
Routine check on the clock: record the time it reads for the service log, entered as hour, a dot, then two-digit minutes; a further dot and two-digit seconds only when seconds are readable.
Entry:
4.07
